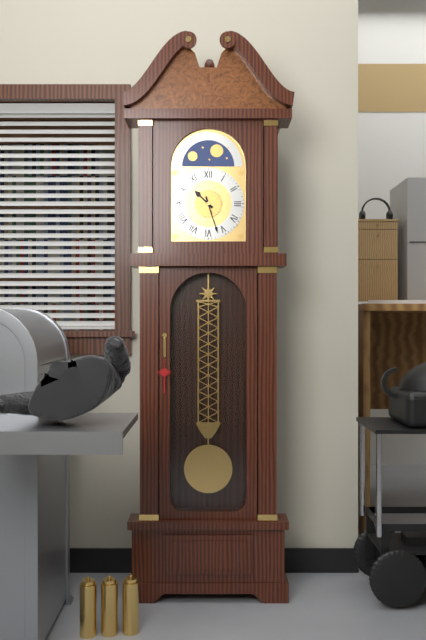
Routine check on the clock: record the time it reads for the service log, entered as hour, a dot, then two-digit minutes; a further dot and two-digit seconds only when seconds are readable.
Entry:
10.27
